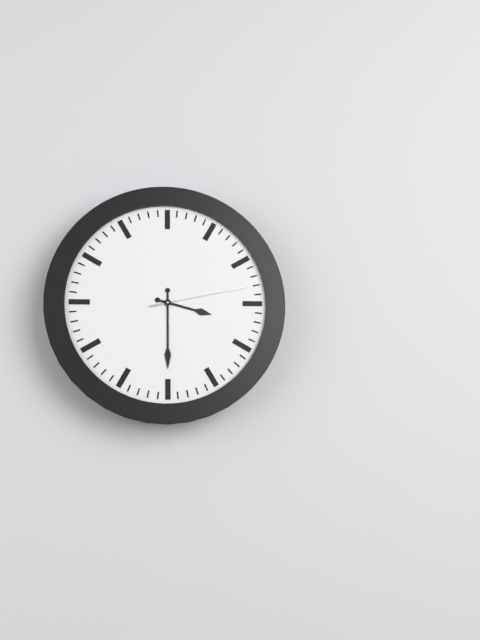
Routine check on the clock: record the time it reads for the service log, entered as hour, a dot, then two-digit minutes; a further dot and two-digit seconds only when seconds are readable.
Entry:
3.30.13
